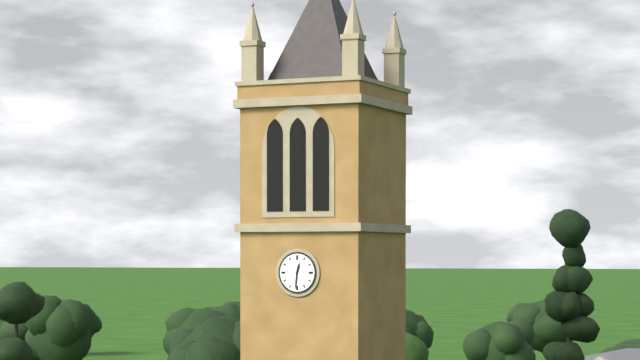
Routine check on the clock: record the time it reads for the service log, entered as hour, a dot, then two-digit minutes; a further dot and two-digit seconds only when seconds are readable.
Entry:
12.31
